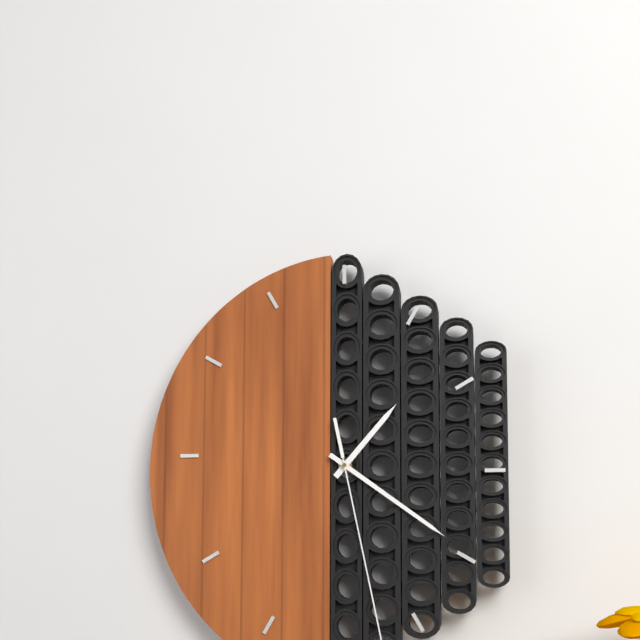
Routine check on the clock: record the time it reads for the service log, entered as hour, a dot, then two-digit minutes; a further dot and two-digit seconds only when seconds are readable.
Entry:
1.21
